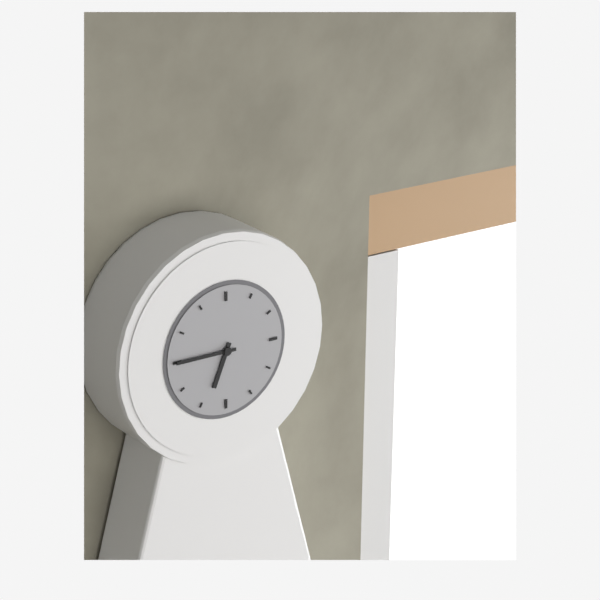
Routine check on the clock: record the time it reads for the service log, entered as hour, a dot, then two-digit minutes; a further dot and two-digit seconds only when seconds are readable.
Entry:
6.45
